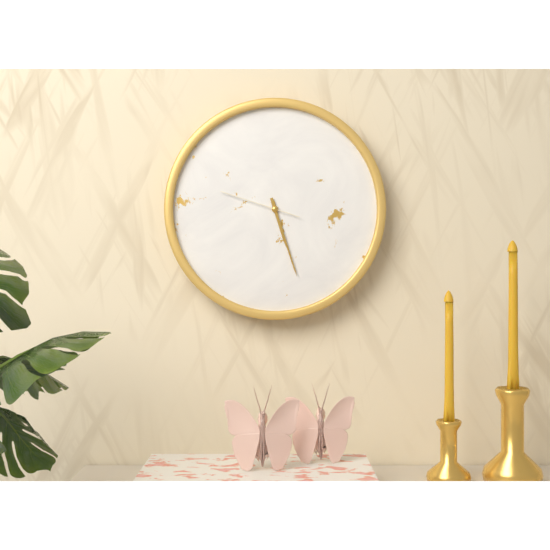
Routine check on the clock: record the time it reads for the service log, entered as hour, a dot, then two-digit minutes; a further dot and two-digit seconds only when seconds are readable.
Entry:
5.27.48
